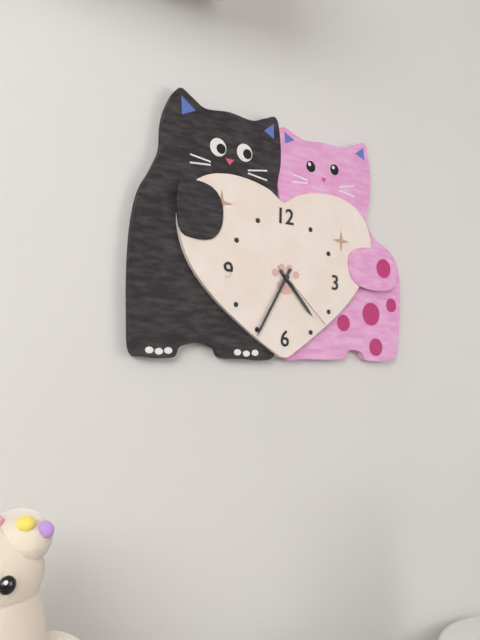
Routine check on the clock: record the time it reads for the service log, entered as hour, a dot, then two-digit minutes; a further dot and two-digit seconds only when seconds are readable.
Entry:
4.35.22
